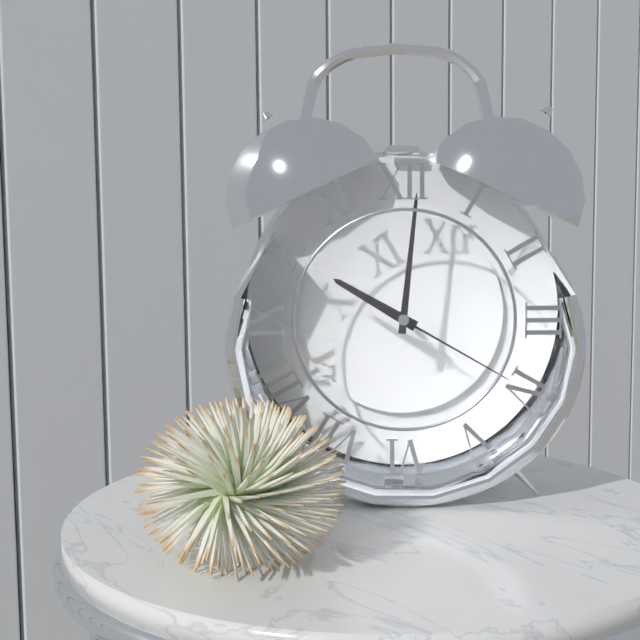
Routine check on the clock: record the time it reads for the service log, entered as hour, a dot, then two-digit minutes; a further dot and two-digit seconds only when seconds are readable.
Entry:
10.01.20
